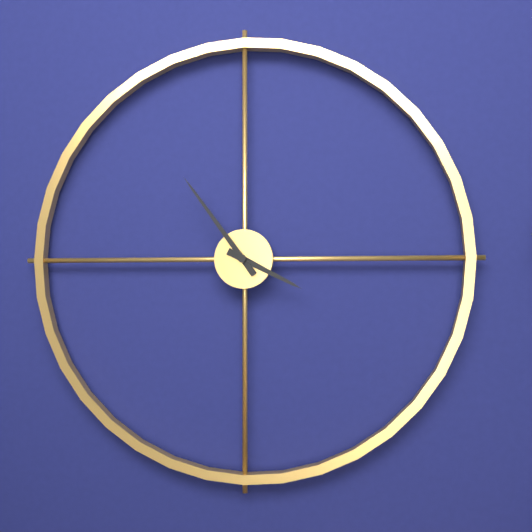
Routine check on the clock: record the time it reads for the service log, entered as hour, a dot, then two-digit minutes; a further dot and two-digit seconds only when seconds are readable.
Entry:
3.54
